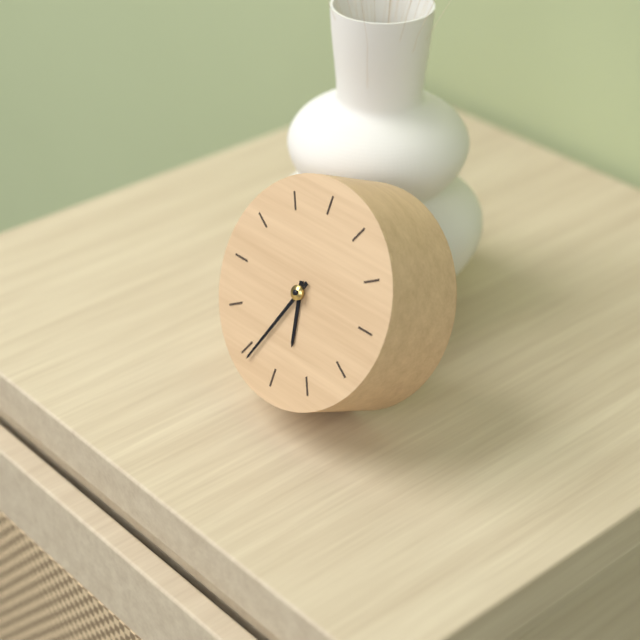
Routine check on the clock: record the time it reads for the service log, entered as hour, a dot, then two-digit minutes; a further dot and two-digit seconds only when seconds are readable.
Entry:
5.34
